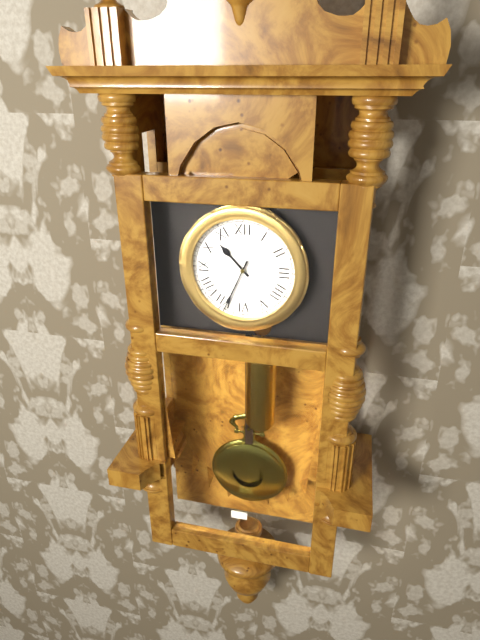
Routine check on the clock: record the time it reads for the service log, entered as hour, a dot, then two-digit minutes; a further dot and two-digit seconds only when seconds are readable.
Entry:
10.34
